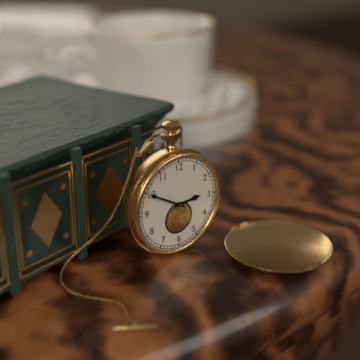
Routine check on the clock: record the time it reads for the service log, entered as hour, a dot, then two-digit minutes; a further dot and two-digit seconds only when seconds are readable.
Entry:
2.50
